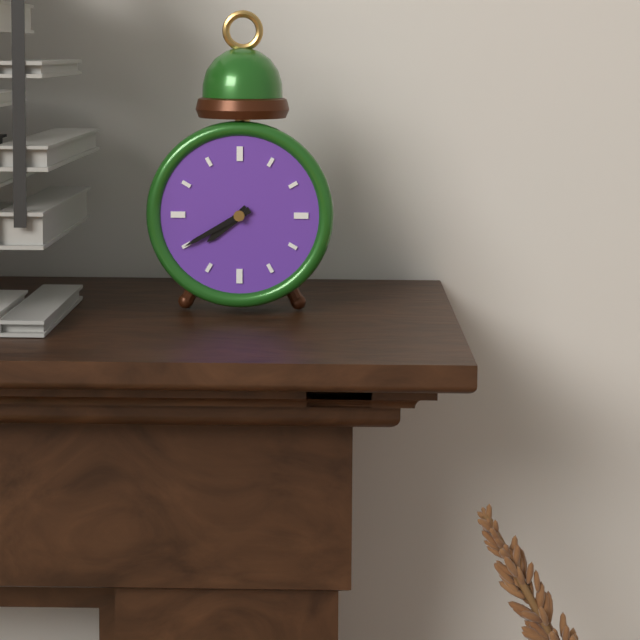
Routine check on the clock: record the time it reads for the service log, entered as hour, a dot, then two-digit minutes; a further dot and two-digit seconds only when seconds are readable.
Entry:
7.40
